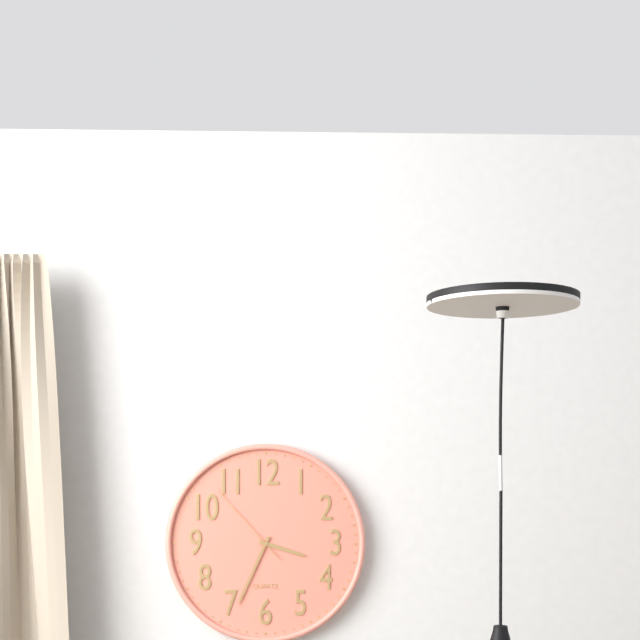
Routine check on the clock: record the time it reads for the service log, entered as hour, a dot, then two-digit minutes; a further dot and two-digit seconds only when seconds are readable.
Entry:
3.34.53
